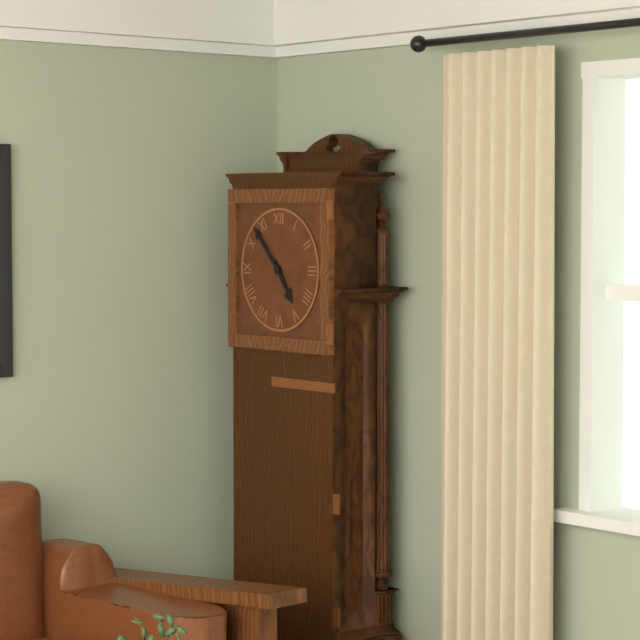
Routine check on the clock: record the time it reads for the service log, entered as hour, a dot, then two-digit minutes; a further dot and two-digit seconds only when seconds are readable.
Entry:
4.53
